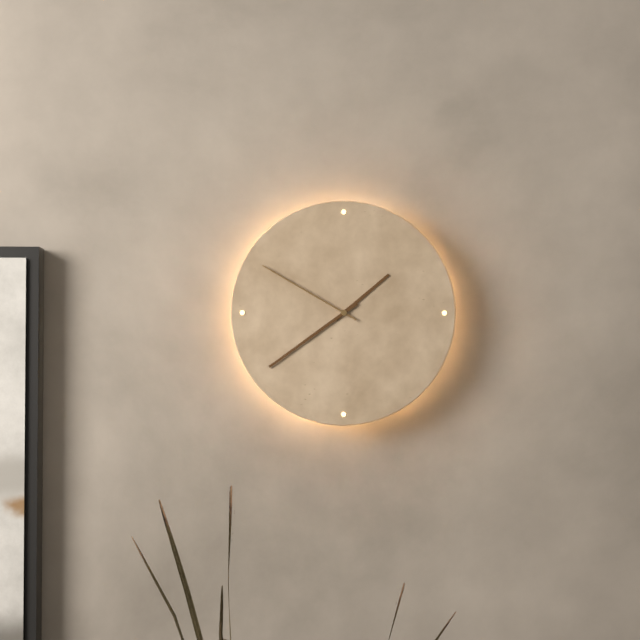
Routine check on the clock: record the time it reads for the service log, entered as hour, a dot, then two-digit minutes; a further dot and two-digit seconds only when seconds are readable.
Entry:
1.39.50
